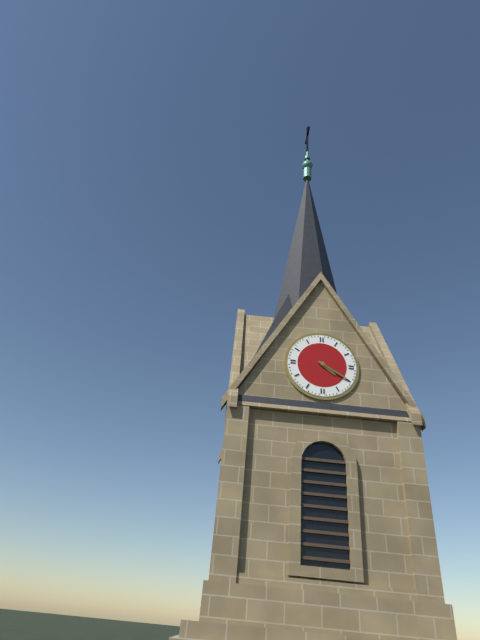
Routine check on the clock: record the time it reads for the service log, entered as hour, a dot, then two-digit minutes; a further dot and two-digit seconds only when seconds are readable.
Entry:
4.20
